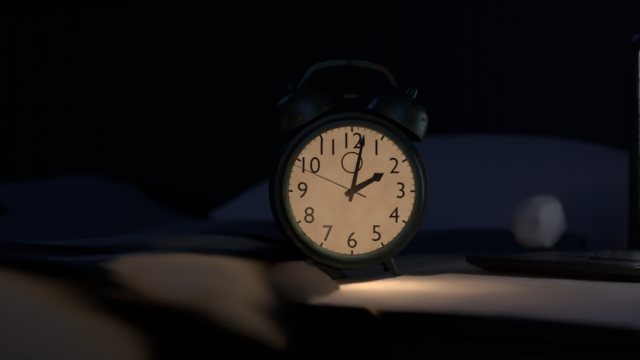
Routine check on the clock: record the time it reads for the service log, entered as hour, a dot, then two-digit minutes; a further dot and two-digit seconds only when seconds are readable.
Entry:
2.02.49
